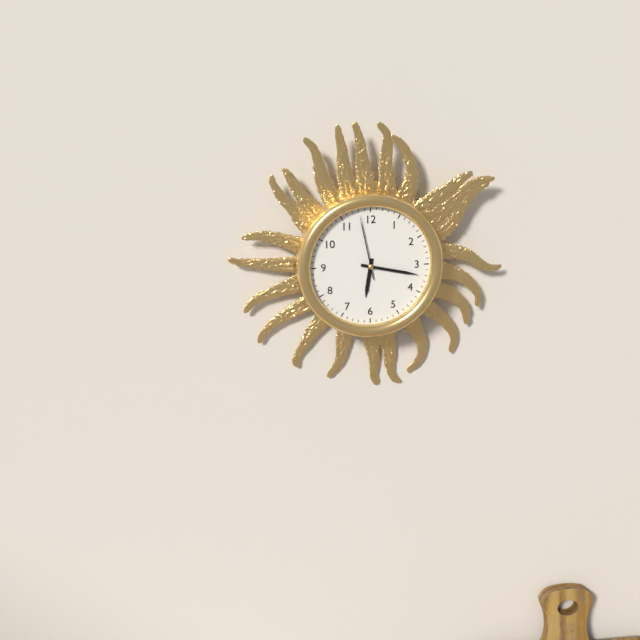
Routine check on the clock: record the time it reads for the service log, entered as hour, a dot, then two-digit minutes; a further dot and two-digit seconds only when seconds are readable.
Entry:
6.17.58
